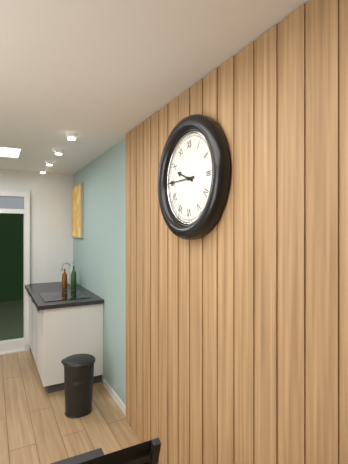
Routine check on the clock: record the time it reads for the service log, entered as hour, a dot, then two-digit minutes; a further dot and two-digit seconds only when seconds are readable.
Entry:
9.45
